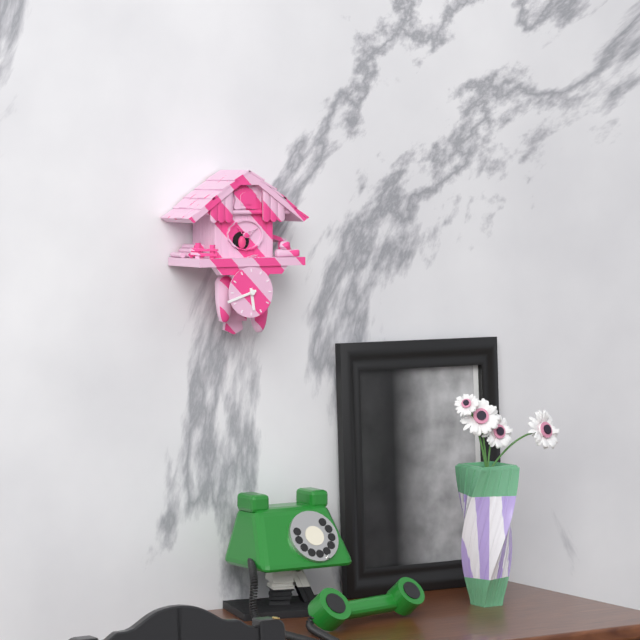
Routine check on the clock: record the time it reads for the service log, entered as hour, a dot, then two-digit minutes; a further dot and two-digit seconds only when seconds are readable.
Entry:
5.42
